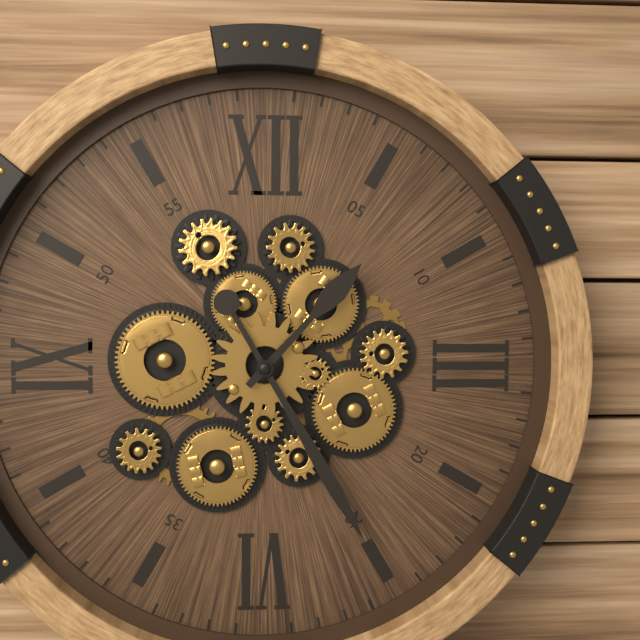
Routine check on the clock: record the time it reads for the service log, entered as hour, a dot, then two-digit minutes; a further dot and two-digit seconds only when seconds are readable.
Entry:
1.25
